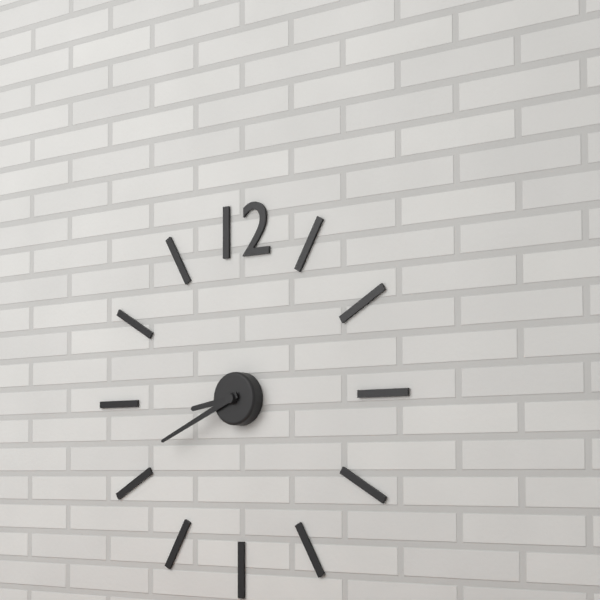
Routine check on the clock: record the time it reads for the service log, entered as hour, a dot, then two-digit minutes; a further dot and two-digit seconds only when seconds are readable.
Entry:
8.41
